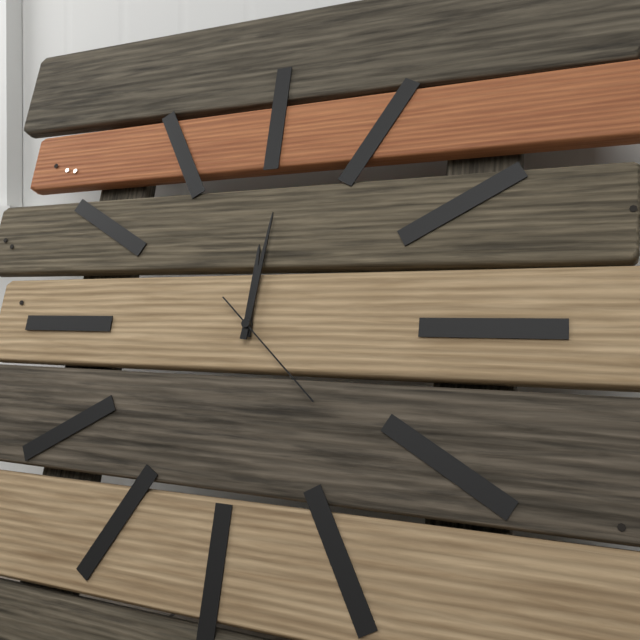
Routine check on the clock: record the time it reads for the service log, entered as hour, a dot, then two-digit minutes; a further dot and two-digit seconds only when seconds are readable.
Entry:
12.01.22
